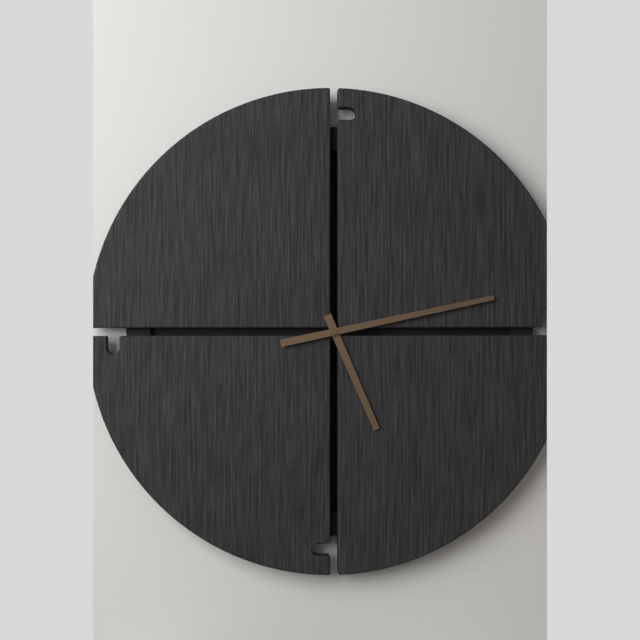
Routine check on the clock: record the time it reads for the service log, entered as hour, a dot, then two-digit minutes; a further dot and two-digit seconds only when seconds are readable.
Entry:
5.13
